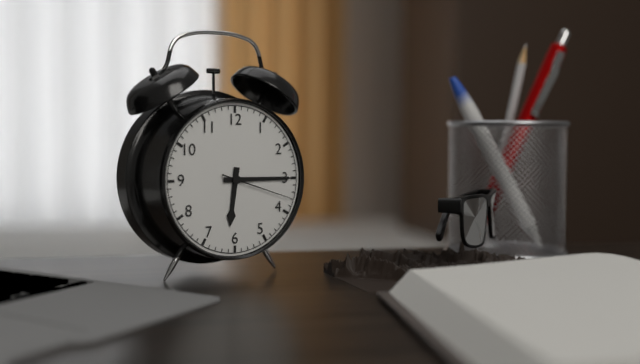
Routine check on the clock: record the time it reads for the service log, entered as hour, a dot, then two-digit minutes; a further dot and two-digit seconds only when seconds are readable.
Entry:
6.15.18
